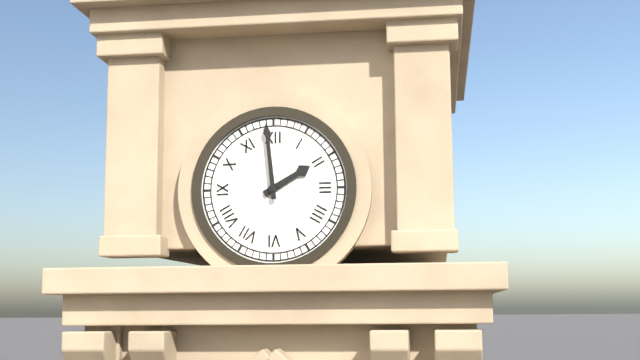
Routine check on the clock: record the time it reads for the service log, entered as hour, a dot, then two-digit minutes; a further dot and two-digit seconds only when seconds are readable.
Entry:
1.59
